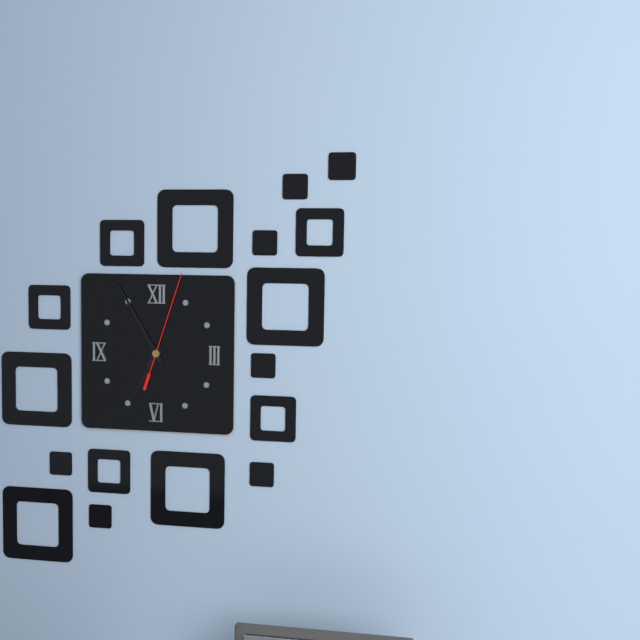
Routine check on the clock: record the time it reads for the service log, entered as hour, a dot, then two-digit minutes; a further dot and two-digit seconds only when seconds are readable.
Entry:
6.55.03
